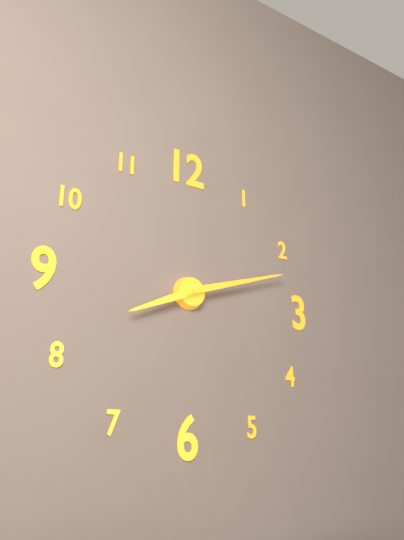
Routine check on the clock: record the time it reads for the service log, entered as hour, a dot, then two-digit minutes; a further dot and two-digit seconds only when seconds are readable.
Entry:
8.12
